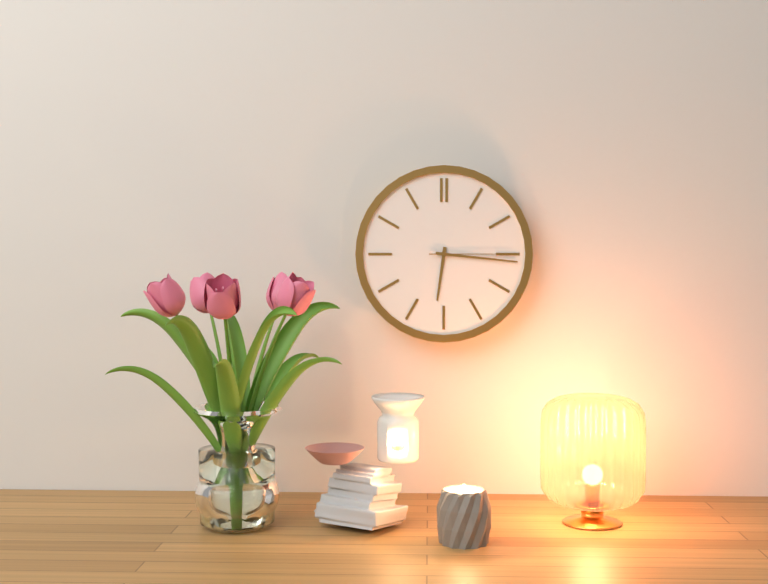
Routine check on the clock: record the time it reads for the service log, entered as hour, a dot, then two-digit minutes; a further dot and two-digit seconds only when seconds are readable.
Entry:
6.16.15
